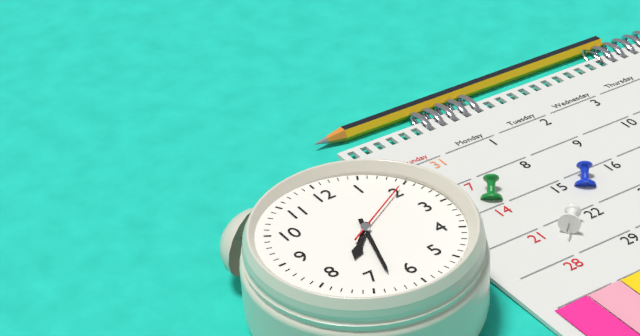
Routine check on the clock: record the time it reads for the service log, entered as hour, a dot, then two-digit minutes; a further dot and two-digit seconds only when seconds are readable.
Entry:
7.33.10
